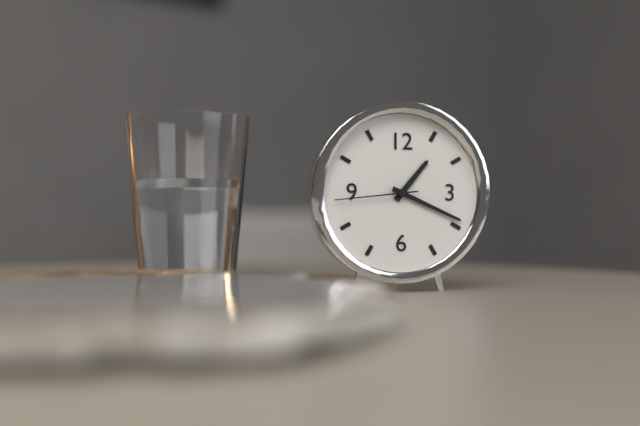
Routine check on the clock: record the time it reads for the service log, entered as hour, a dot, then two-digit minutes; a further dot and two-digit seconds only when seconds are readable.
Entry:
1.19.44
